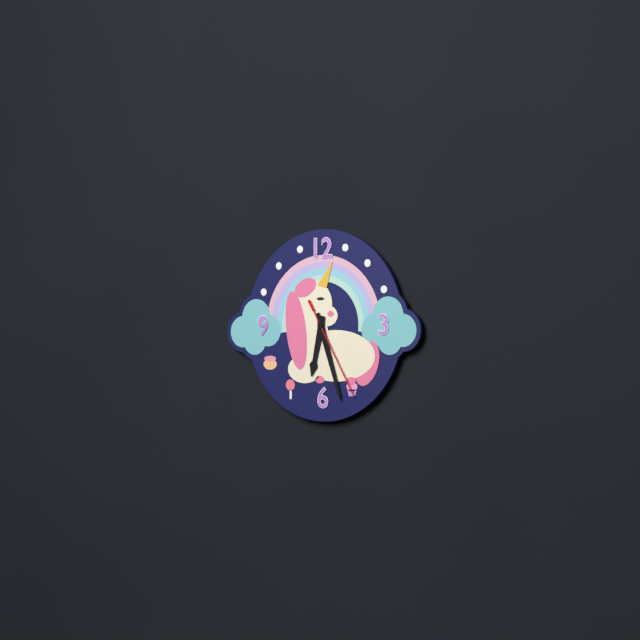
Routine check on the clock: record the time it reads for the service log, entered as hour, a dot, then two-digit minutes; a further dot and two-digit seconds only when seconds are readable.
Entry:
6.27.25
